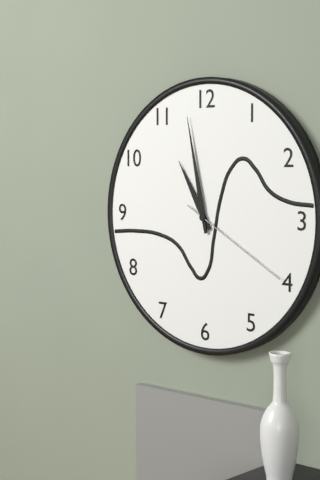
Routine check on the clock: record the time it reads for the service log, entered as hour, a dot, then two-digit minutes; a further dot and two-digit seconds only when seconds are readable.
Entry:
10.58.20
